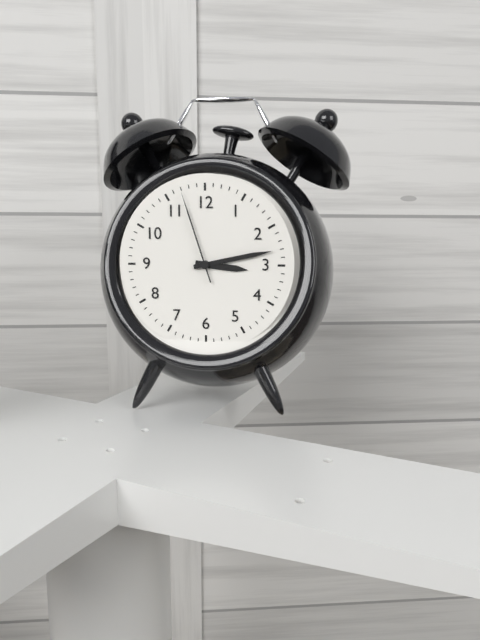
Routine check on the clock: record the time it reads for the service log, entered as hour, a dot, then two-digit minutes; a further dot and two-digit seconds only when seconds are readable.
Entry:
3.13.57
